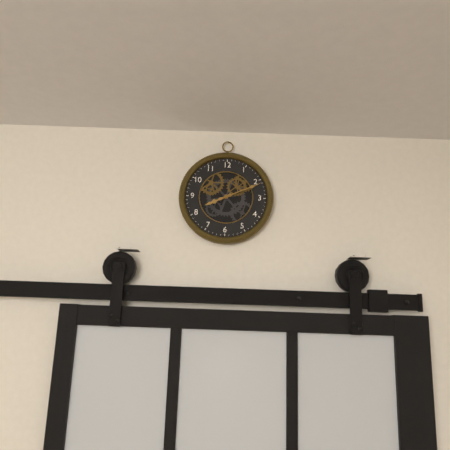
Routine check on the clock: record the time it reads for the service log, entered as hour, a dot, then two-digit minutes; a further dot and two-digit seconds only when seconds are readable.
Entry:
8.11
